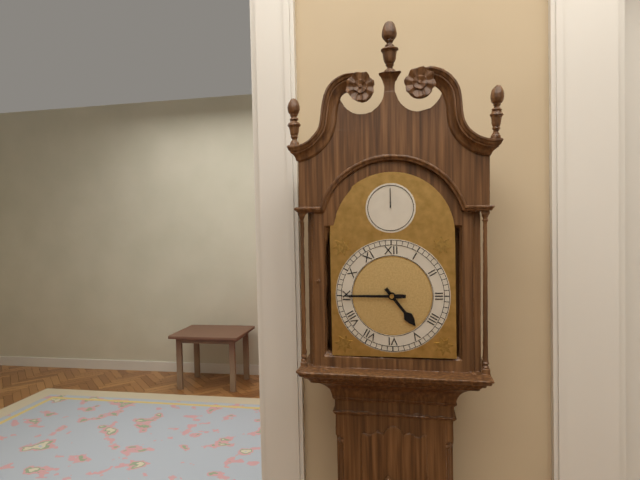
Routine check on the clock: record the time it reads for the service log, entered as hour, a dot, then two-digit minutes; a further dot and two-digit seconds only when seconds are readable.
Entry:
4.45
